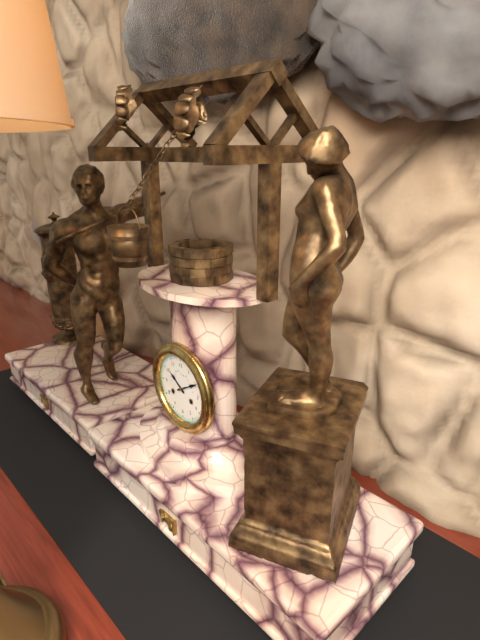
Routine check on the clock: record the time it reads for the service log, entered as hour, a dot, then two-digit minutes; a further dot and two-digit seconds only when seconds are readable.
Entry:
10.10
